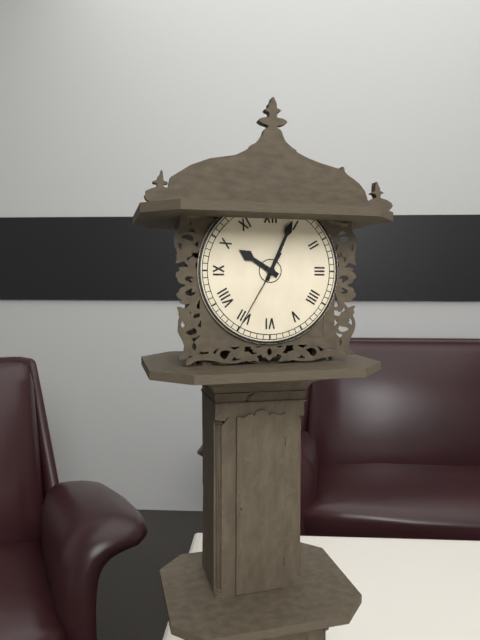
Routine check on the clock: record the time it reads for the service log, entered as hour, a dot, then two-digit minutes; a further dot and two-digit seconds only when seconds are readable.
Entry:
10.04.35
